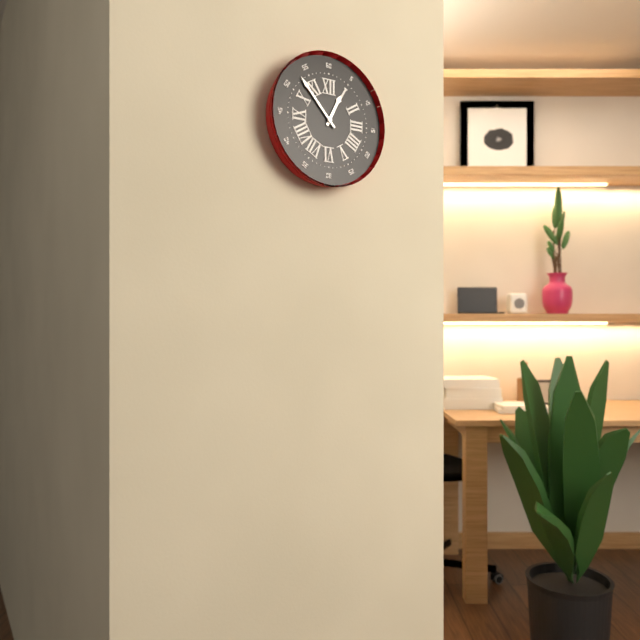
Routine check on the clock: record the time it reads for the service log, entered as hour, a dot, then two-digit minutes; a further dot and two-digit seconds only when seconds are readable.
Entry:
12.53
